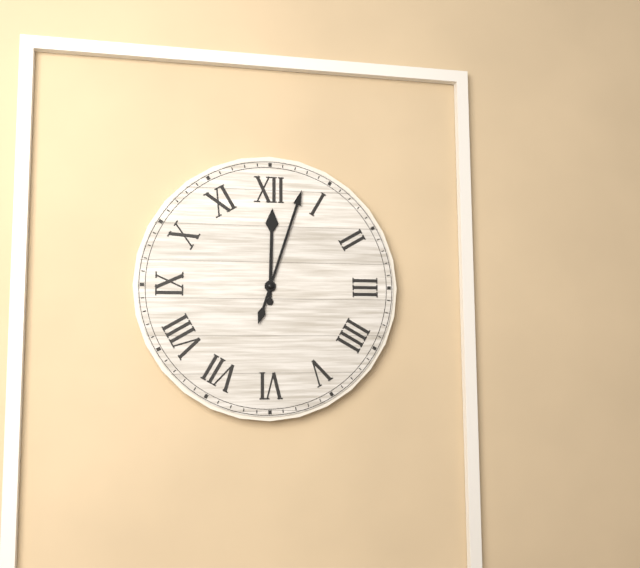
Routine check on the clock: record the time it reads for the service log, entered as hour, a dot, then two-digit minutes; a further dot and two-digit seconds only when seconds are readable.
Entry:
12.03
